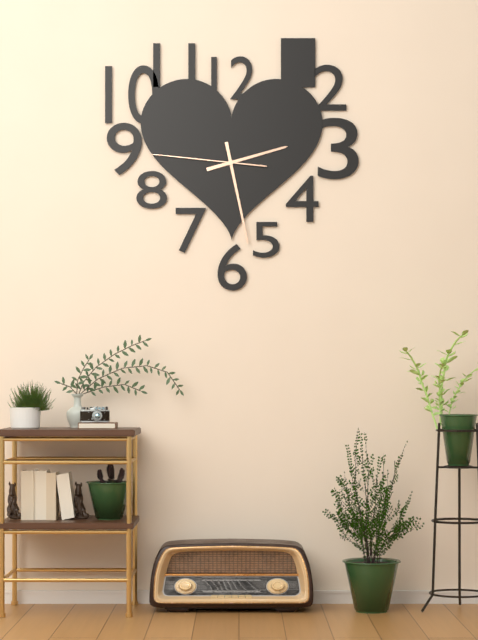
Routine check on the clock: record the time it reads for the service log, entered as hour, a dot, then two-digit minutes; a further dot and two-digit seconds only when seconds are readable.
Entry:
2.28.46
